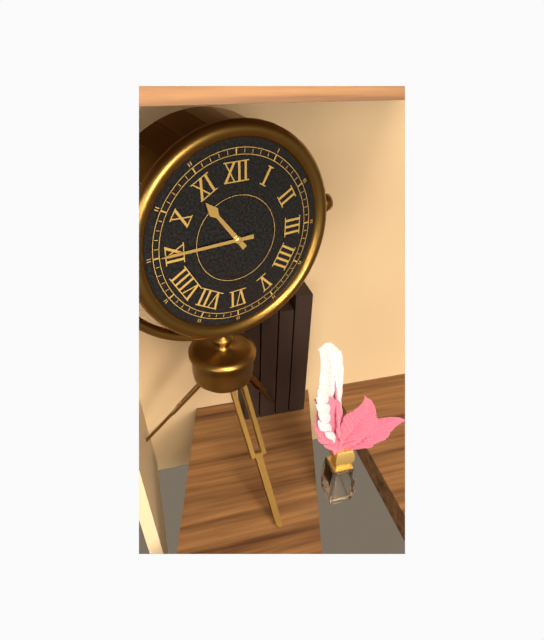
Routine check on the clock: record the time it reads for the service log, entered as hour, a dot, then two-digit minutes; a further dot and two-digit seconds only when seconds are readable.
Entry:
10.45
